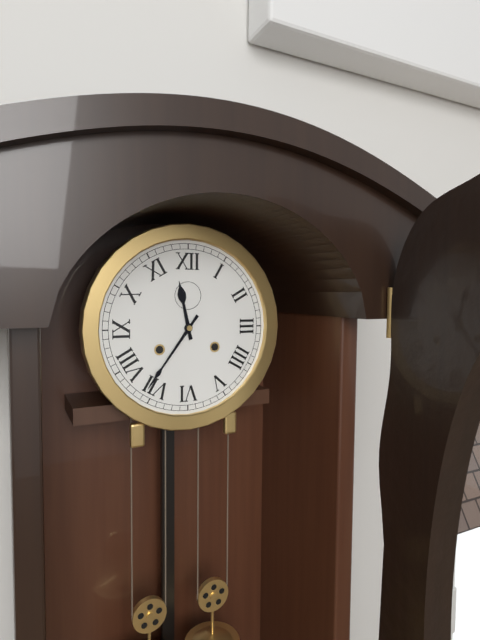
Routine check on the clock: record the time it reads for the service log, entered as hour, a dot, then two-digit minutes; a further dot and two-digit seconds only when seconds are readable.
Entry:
11.36
